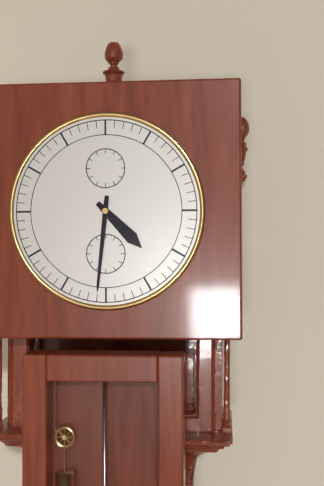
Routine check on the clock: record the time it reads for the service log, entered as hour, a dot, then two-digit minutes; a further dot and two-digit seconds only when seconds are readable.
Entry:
4.31
